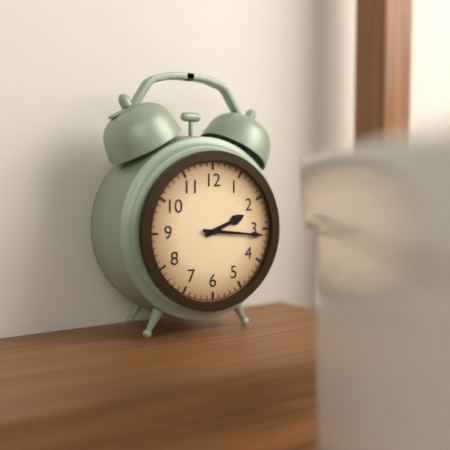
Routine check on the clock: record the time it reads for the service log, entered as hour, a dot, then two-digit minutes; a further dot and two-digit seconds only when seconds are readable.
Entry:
2.16
